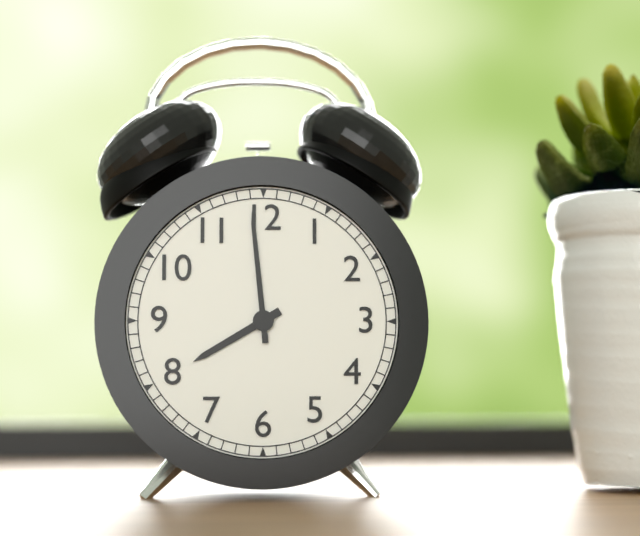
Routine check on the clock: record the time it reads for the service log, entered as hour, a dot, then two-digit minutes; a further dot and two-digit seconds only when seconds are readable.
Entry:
7.59
